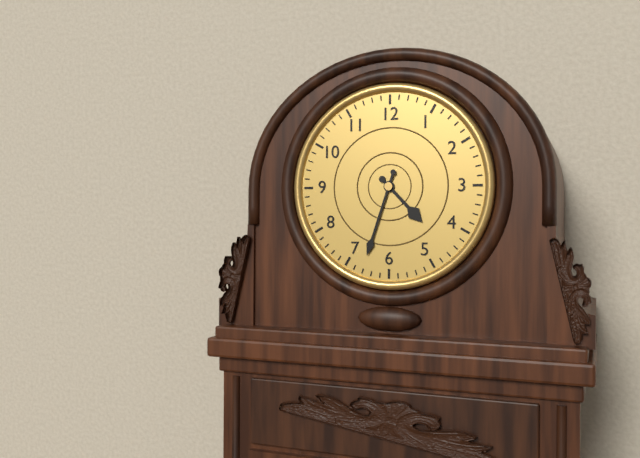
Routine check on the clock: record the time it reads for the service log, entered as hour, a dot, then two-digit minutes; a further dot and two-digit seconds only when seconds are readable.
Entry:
4.33
